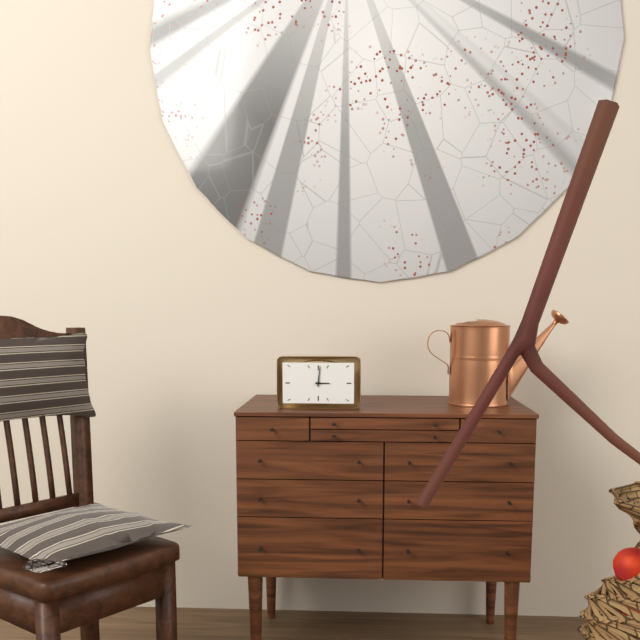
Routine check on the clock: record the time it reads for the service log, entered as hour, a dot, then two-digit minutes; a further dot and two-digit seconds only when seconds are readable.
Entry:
3.01
